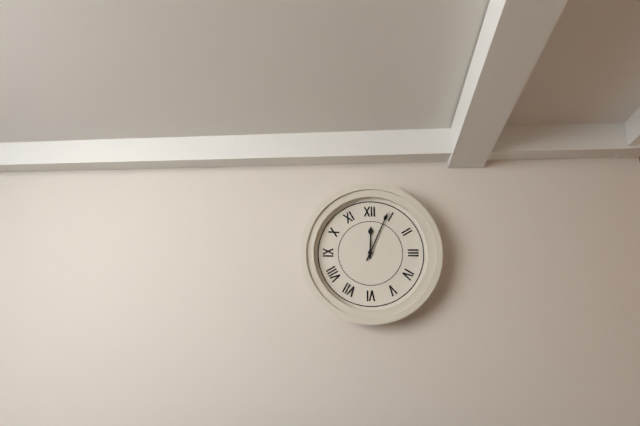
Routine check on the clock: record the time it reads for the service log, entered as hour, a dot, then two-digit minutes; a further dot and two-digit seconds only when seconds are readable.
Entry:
12.04
